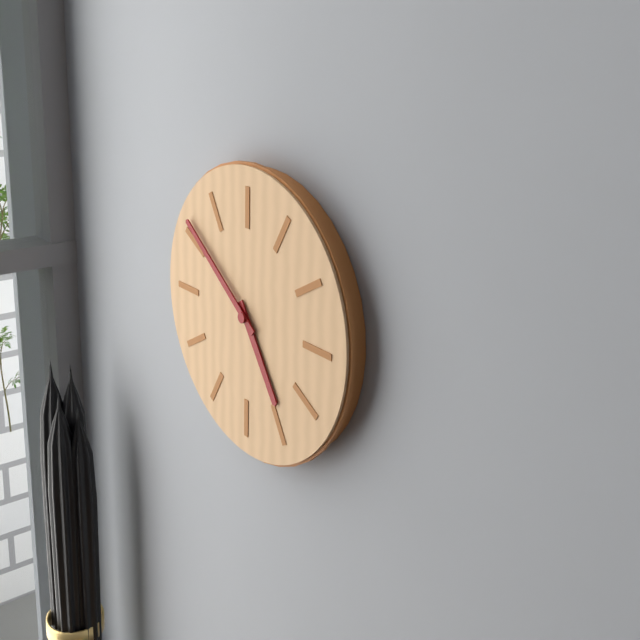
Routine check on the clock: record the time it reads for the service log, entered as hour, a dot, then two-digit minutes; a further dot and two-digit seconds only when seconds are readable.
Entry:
4.51
